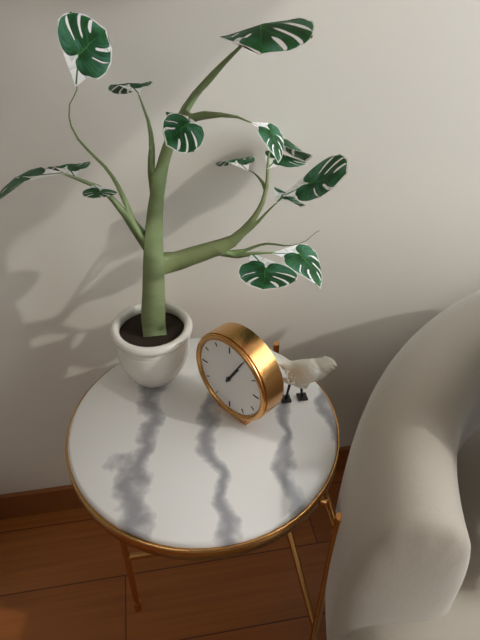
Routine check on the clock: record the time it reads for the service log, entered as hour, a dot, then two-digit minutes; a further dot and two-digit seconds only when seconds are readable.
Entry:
1.05
